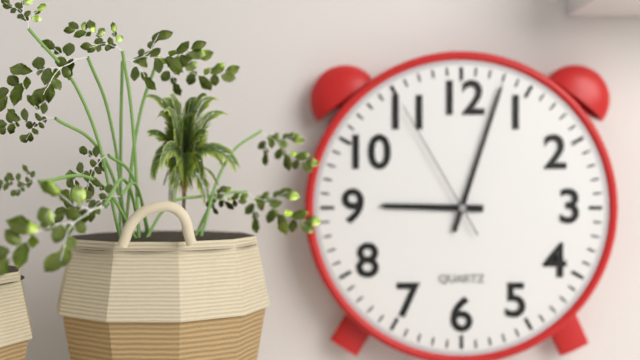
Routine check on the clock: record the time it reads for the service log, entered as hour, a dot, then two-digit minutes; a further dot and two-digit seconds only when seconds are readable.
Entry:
9.03.55
